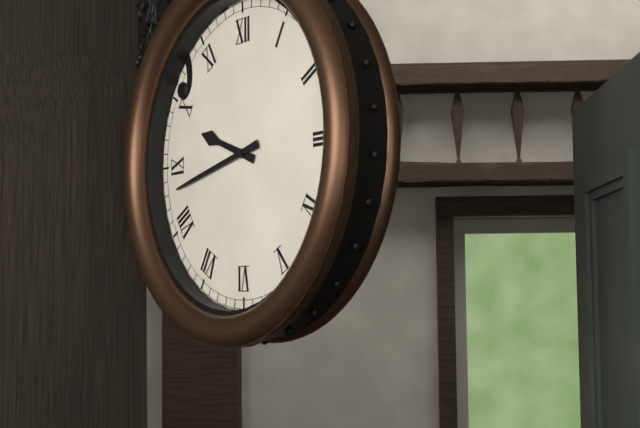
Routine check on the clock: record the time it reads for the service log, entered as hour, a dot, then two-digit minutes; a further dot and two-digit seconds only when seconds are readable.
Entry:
9.43
